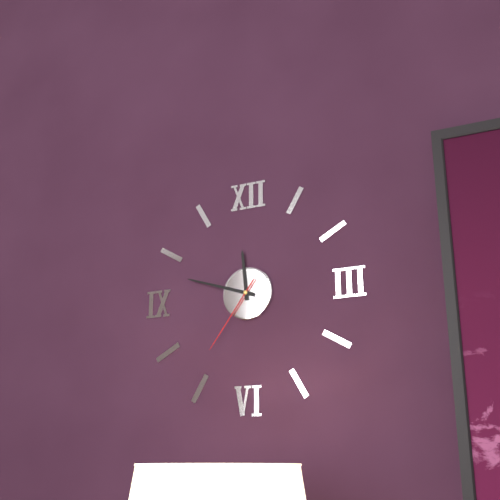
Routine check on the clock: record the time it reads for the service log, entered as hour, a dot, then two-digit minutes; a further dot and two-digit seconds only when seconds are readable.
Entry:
11.48.36
